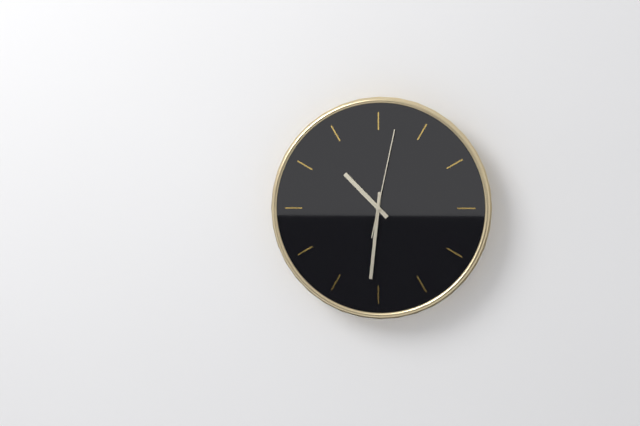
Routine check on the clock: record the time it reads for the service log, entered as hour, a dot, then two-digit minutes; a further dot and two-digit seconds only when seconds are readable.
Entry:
10.31.02
